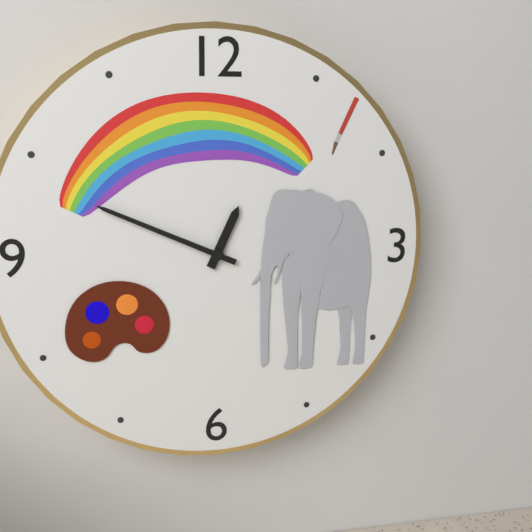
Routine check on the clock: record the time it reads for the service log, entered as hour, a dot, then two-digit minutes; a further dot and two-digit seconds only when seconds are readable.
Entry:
12.49
